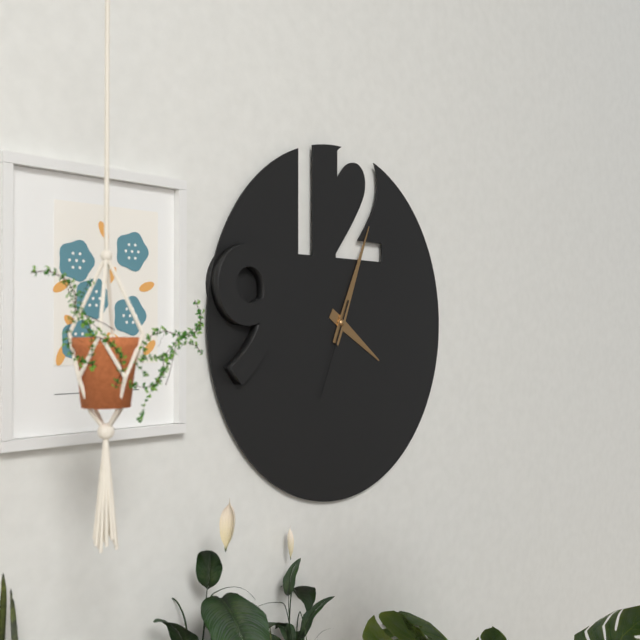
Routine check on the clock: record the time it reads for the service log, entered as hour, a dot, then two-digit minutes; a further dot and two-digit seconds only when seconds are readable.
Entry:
4.04.34
